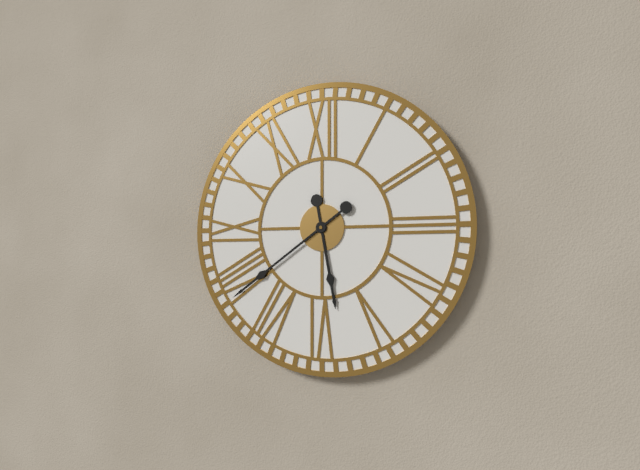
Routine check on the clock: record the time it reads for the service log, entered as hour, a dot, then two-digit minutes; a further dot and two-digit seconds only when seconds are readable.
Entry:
5.39
